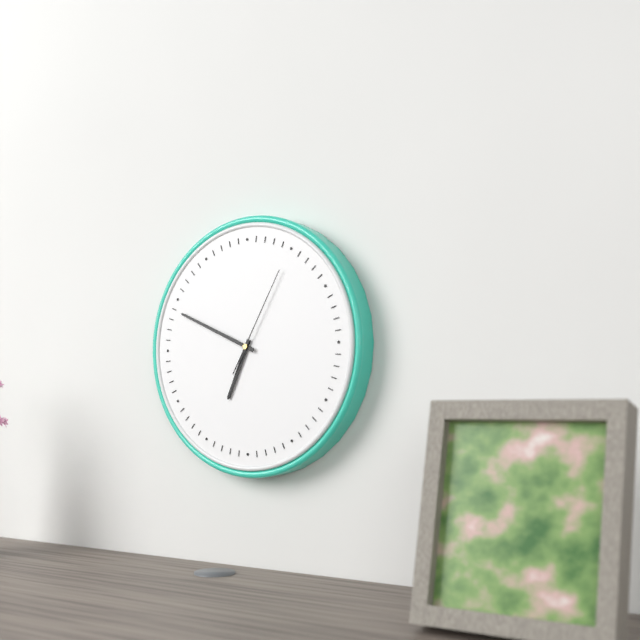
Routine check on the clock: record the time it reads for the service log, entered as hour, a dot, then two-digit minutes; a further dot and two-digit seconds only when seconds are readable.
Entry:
6.49.05
